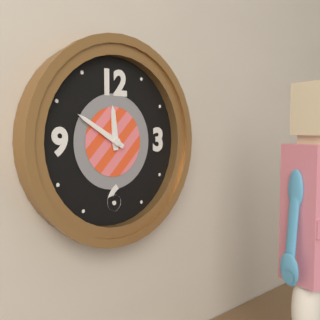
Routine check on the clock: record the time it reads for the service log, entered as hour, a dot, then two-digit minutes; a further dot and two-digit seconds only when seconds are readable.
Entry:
11.50
